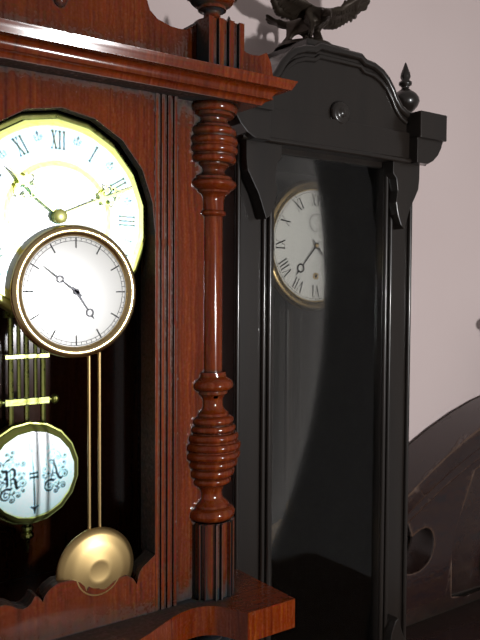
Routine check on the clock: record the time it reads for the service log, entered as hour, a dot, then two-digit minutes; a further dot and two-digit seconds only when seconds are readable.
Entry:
7.23
